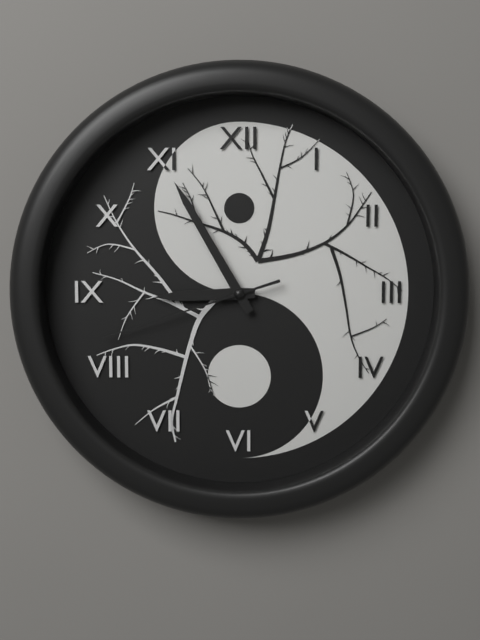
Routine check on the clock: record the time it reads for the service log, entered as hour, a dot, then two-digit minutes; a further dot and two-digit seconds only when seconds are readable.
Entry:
8.55.42
